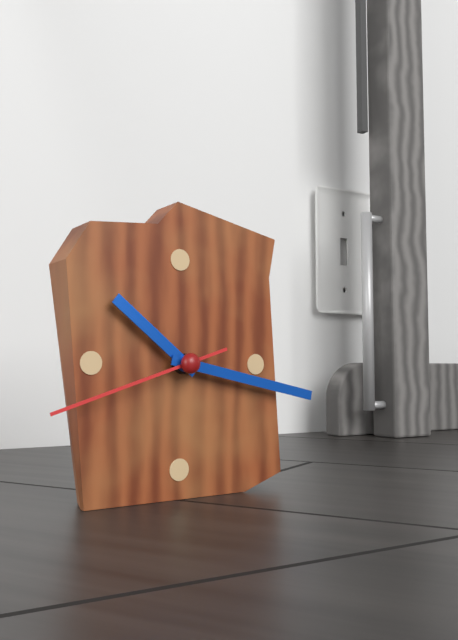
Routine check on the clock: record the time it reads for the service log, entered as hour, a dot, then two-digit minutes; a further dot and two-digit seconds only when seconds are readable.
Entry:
10.17.42
